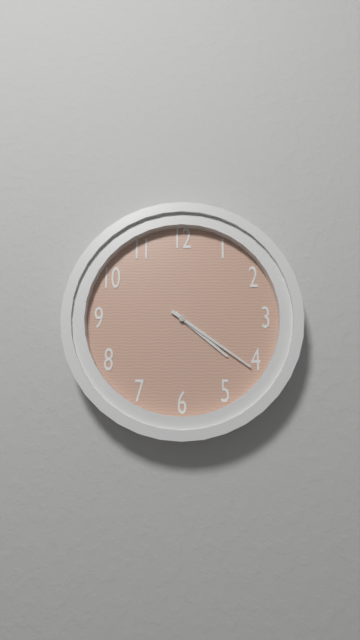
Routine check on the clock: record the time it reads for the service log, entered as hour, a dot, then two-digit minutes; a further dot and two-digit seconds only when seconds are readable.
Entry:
4.21
